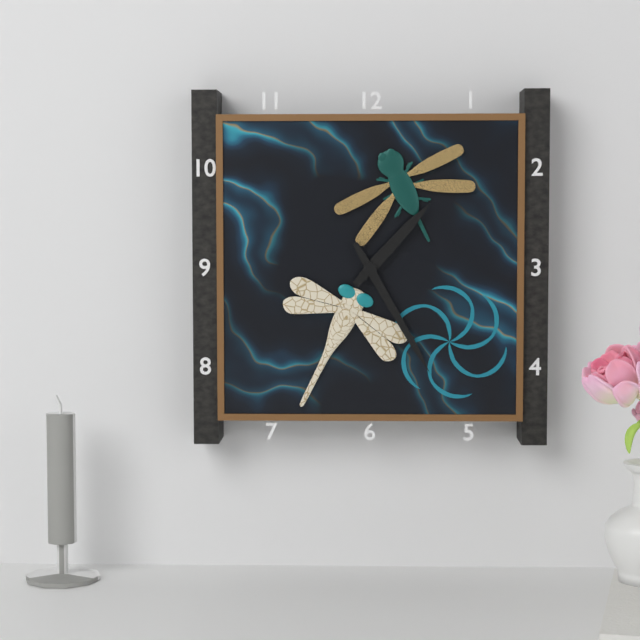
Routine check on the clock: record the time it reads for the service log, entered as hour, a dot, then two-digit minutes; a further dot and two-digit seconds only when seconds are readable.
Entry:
1.25
